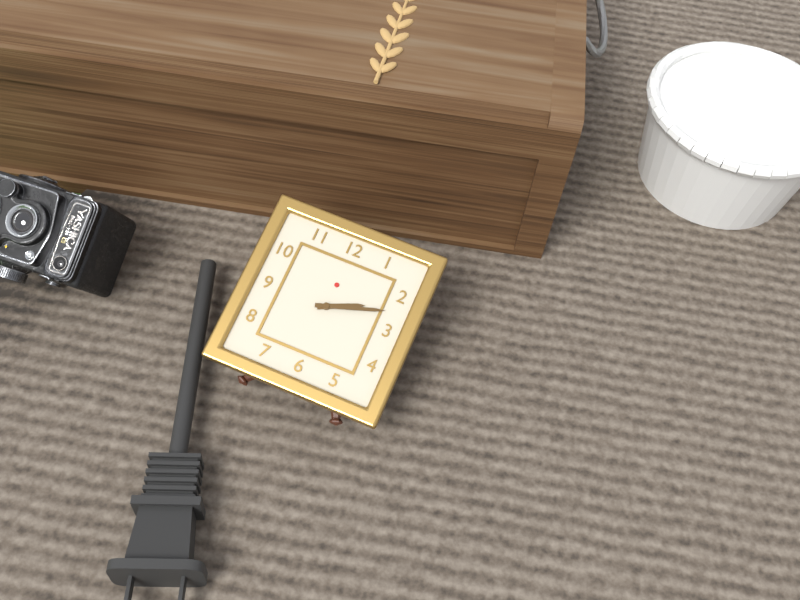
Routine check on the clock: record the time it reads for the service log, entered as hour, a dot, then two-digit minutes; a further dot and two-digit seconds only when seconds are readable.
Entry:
2.12
